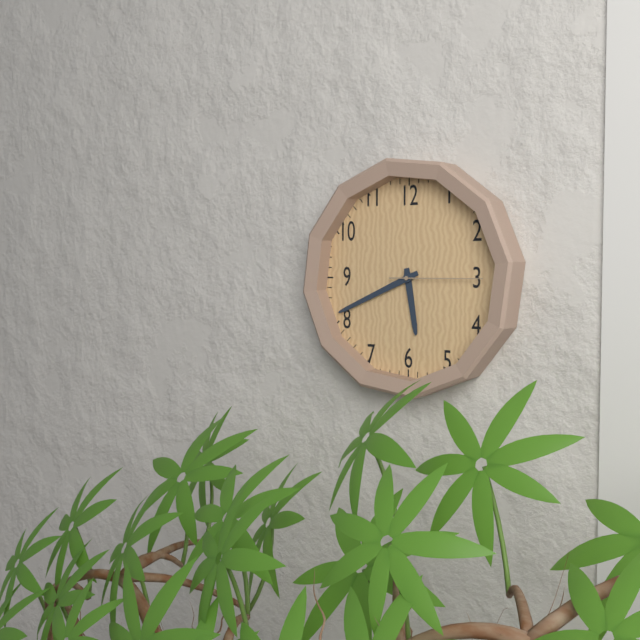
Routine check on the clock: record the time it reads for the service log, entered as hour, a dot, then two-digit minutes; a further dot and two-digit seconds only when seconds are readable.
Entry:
5.41.15
